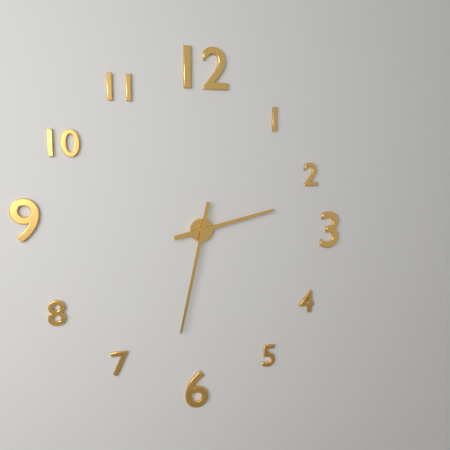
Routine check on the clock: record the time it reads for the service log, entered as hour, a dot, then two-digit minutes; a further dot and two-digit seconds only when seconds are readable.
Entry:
2.32
